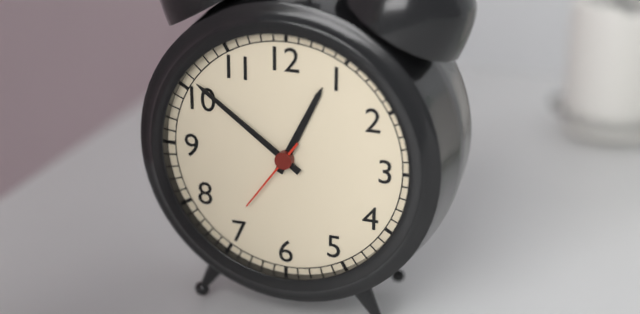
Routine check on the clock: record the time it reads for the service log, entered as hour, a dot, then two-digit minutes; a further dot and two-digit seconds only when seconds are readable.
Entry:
12.51.36
